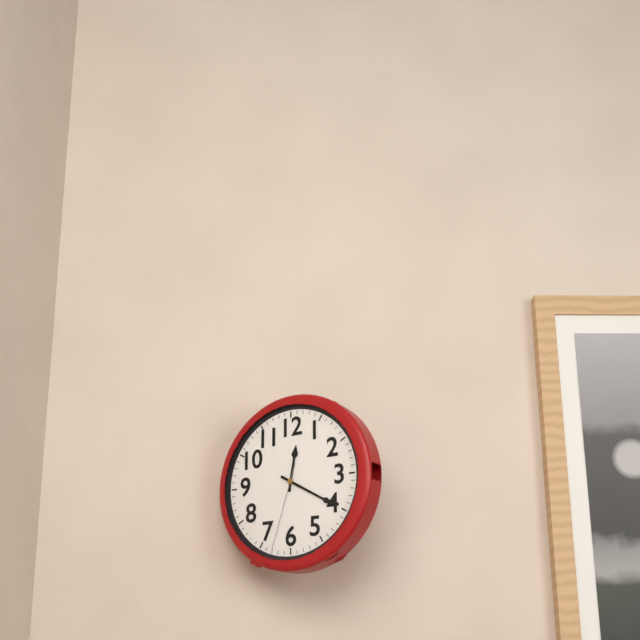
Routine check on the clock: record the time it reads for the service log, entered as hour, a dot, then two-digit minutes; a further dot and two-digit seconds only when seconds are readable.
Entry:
12.20.33
